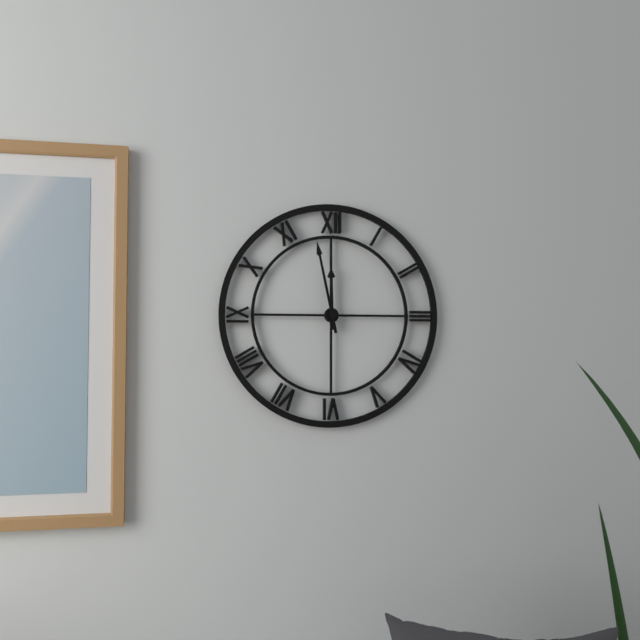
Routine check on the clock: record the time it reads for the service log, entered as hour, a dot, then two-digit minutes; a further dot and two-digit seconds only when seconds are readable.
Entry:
11.58
